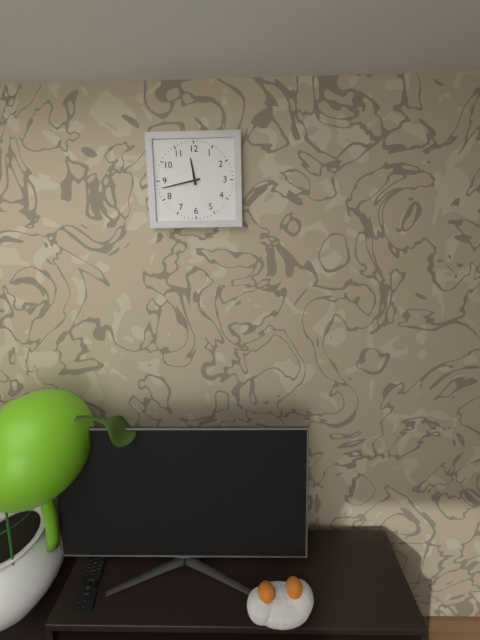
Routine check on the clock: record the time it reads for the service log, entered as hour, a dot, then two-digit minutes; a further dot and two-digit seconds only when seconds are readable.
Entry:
11.43
